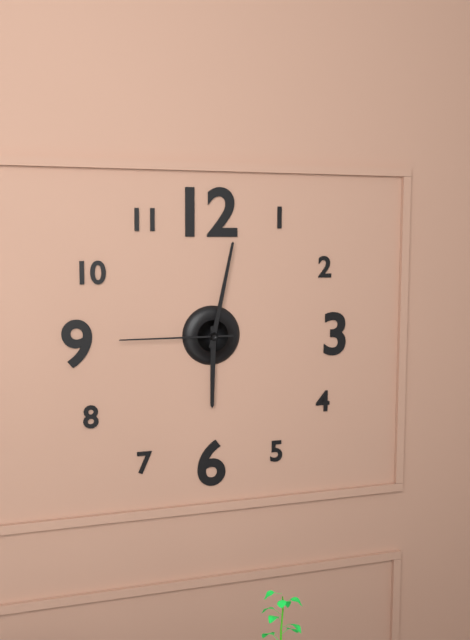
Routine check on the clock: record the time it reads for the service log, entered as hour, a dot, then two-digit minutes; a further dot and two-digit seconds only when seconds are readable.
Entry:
6.02.45
